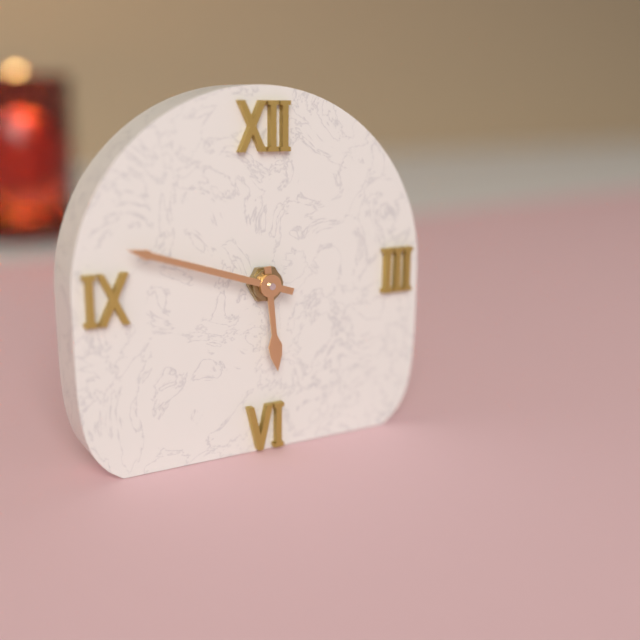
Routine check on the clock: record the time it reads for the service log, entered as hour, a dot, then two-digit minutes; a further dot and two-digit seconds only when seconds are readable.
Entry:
5.48
